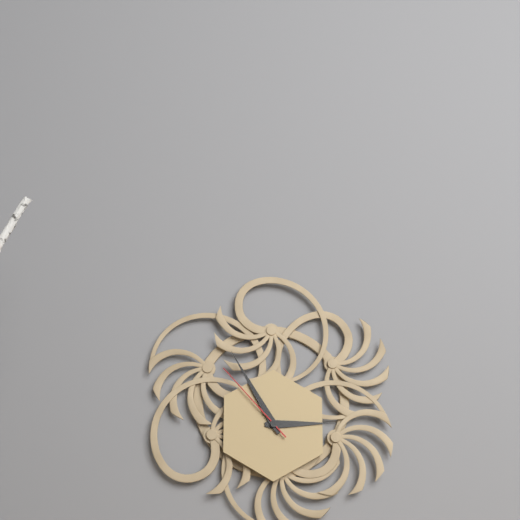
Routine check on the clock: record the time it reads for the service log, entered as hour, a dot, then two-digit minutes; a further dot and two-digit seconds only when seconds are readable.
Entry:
2.55.53
